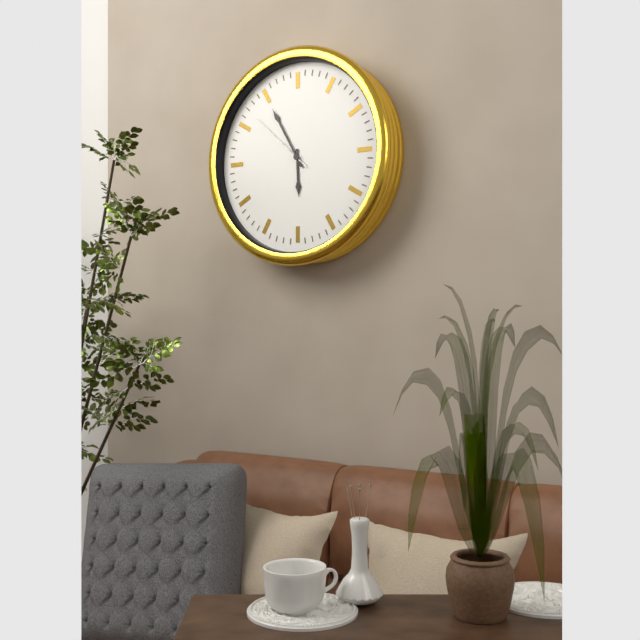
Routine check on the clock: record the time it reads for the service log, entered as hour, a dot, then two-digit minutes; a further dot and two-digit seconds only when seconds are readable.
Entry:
5.55.52
